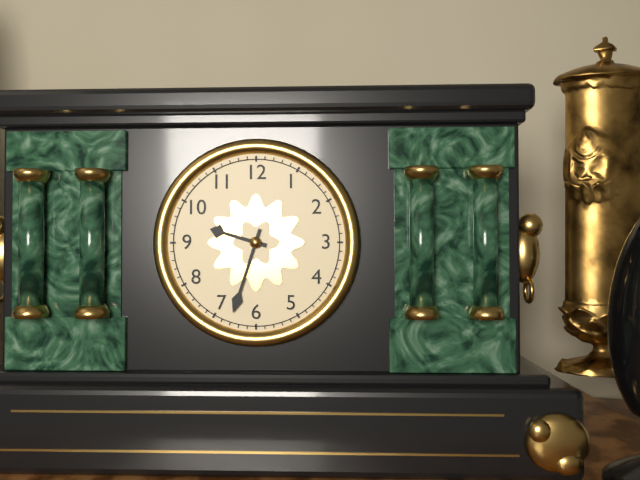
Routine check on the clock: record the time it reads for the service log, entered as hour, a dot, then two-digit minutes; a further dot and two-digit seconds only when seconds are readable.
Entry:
9.33
